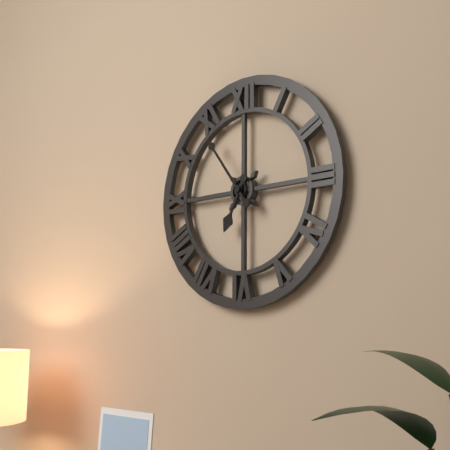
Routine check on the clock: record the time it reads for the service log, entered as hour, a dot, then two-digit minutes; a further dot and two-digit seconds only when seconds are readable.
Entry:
6.54
